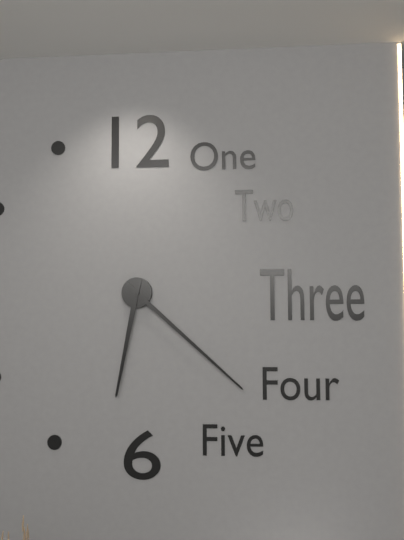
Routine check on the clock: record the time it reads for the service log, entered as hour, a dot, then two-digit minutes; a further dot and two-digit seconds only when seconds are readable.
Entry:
6.22
